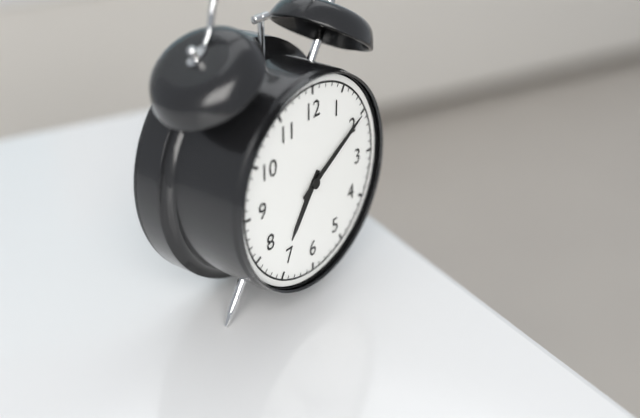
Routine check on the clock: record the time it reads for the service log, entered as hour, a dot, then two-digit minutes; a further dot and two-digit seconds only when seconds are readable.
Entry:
7.10
